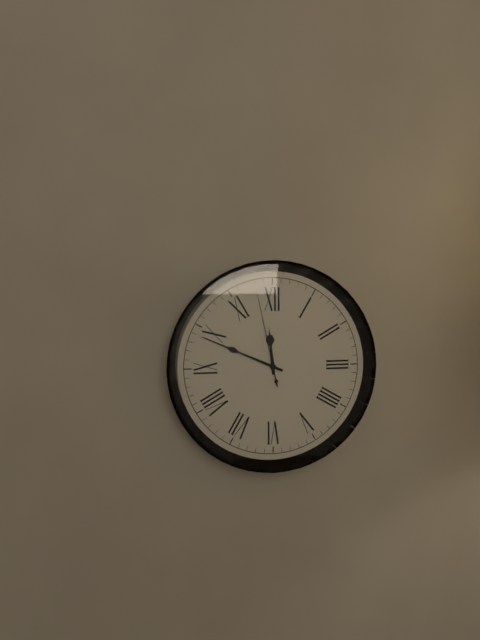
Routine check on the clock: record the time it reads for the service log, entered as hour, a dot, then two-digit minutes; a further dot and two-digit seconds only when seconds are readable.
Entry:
11.49.58
